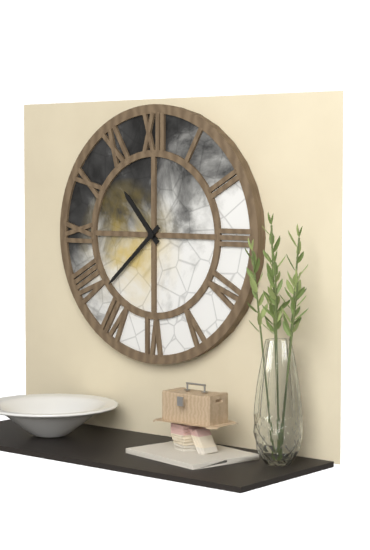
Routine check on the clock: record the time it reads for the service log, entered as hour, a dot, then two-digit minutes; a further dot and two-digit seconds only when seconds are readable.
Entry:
10.38
